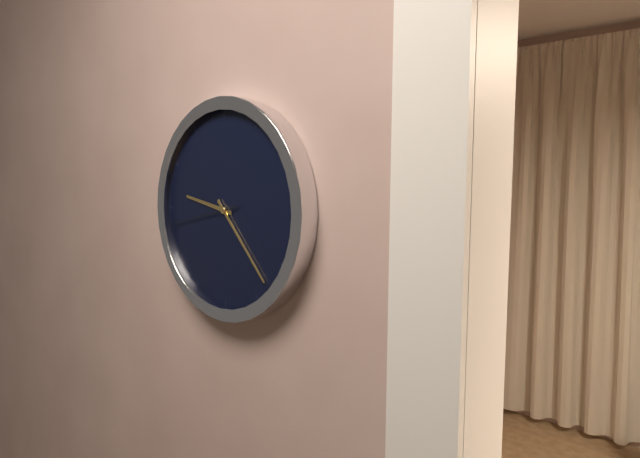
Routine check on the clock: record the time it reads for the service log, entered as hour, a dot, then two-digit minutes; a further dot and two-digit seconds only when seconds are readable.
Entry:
9.23.43
